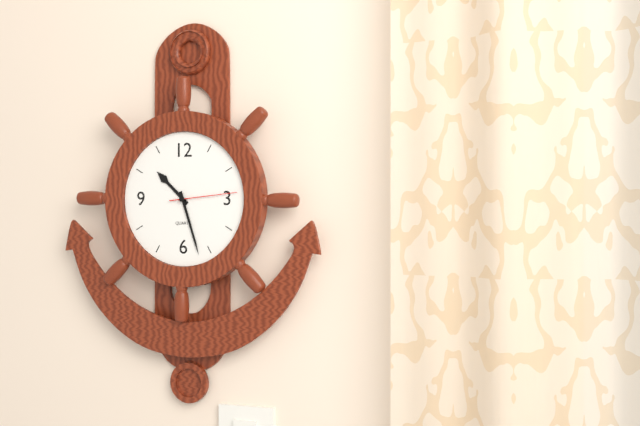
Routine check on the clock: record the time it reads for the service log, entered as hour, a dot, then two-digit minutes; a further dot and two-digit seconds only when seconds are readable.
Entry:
10.27.14
